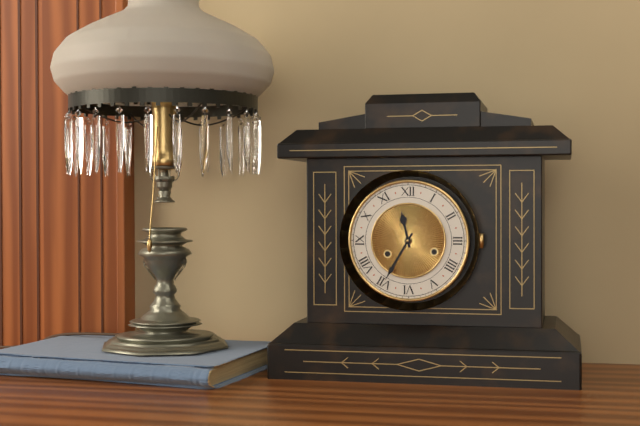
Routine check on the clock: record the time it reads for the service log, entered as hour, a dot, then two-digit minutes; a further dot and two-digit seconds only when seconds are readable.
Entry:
11.35
